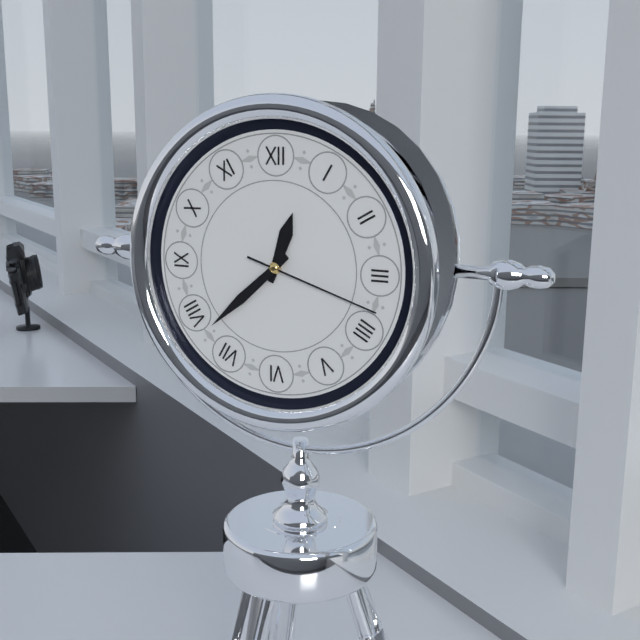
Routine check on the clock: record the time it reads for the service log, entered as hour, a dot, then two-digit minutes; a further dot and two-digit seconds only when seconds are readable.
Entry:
12.38.18
